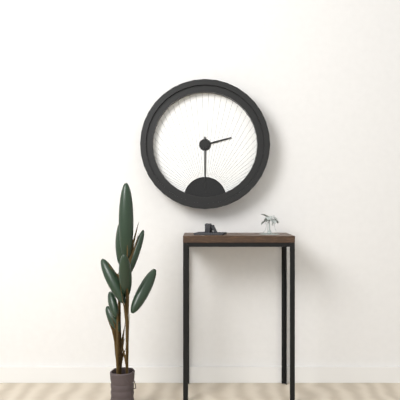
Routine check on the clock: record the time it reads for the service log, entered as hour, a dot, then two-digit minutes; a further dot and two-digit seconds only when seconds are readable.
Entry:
2.30
